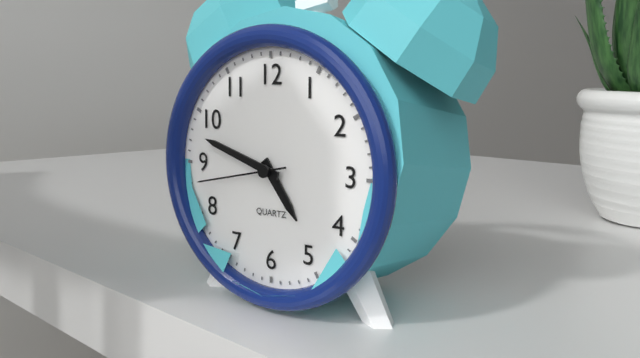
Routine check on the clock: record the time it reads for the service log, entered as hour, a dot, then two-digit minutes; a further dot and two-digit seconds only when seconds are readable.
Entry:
4.48.43
